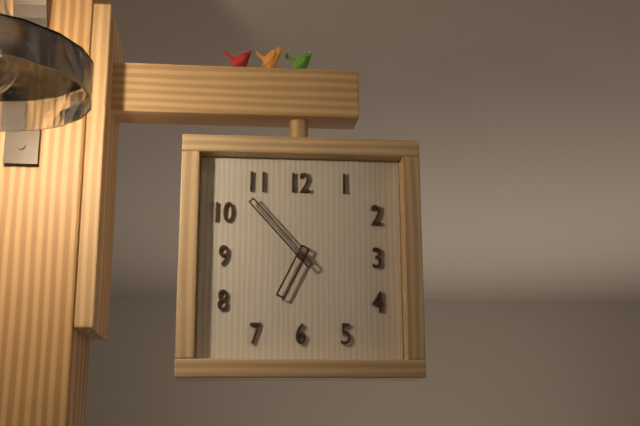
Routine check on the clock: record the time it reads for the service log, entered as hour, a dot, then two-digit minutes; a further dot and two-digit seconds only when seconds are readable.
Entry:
6.53
